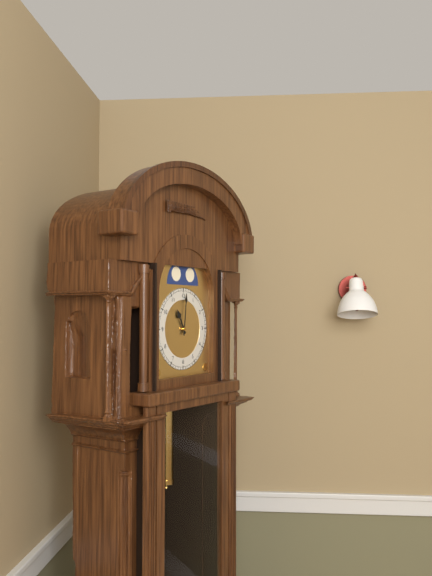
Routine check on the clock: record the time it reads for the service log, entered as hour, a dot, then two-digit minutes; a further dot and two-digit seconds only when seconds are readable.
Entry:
11.01
